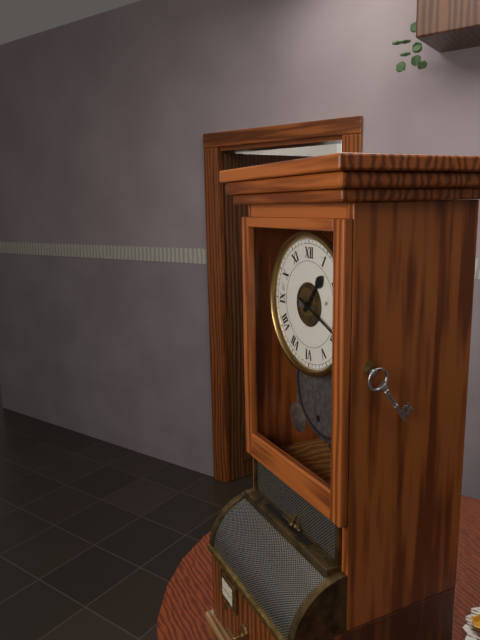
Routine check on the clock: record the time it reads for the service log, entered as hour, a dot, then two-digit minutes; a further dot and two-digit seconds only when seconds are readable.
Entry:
1.19
